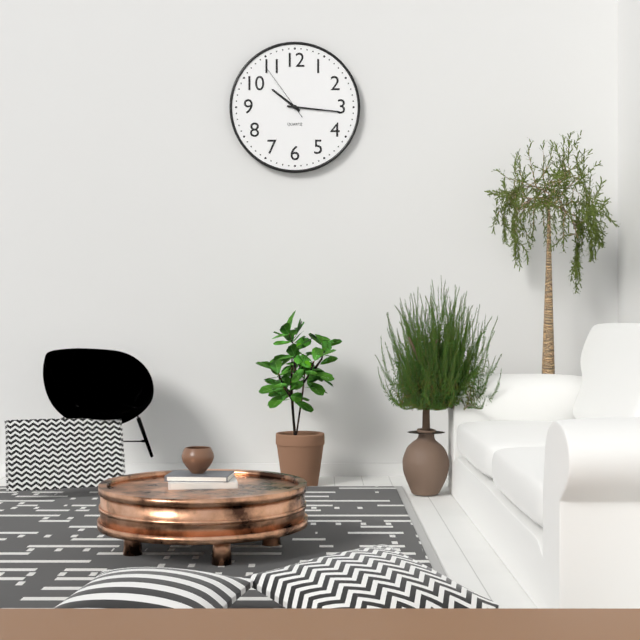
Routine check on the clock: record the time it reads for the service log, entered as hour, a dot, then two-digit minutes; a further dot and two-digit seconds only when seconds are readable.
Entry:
10.16.54
